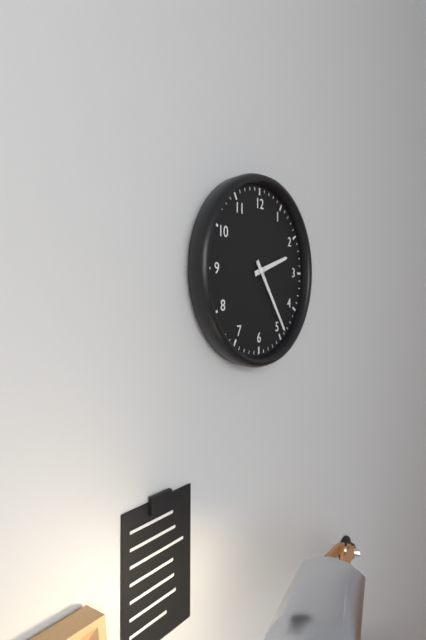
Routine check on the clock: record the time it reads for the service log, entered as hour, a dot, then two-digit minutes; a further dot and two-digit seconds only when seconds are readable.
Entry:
2.24
